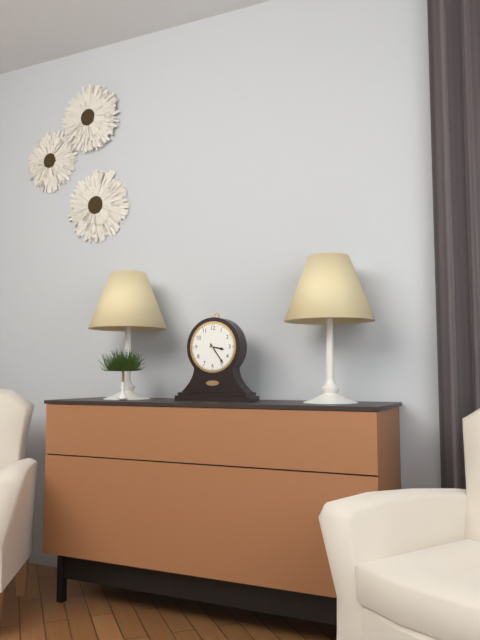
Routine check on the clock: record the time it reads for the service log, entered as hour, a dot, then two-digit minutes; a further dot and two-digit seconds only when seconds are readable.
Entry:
3.24
